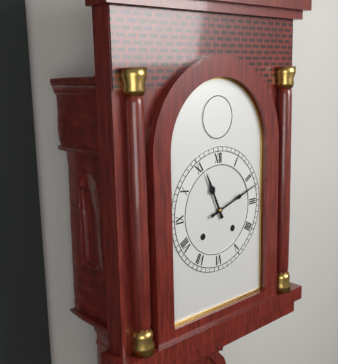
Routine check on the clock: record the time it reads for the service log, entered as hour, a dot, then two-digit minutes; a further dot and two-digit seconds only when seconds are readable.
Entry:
11.12
